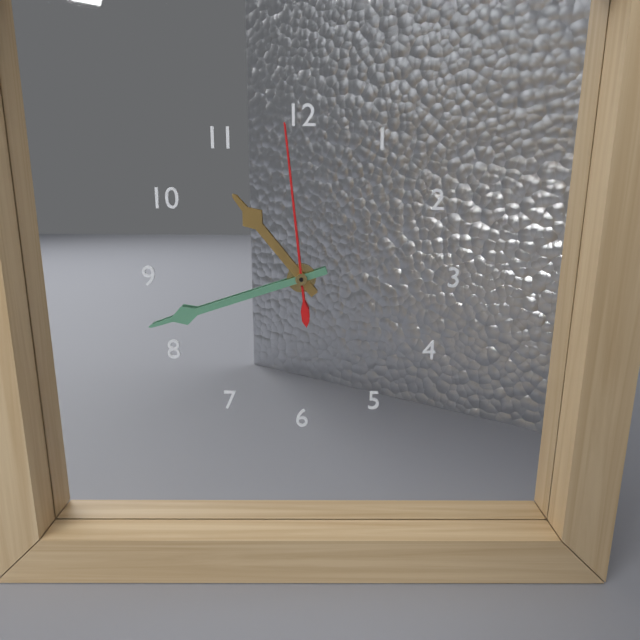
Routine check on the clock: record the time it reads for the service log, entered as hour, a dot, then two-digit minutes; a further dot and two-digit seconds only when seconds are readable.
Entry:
10.42.59
